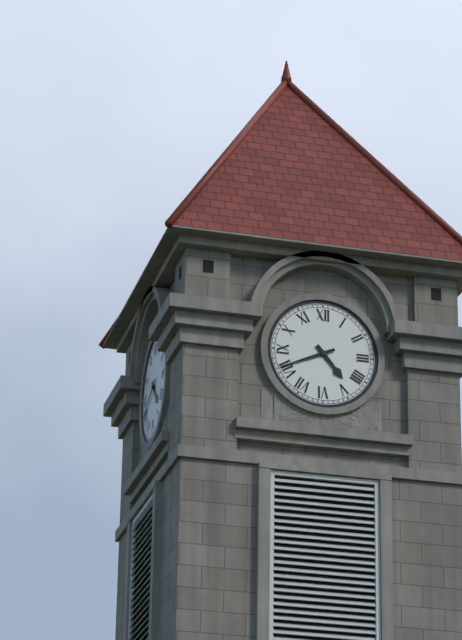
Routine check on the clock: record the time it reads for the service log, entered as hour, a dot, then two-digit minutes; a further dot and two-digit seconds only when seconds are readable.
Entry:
4.41
